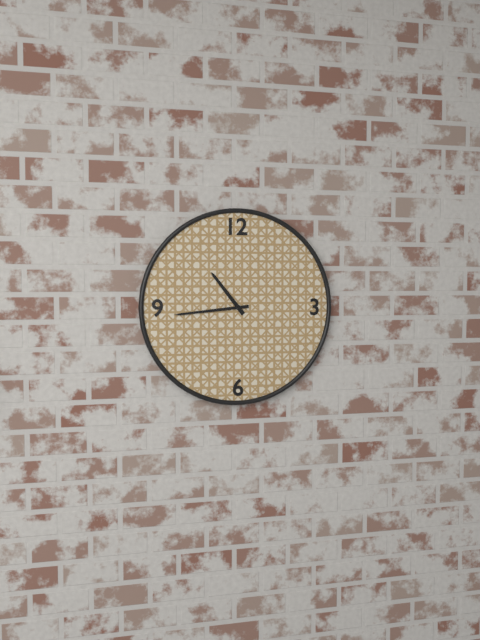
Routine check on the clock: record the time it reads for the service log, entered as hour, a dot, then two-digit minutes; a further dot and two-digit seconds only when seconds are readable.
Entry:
10.44
